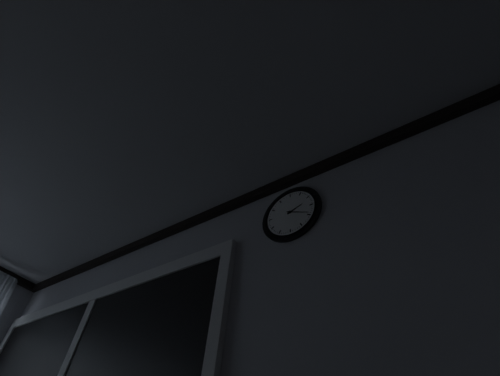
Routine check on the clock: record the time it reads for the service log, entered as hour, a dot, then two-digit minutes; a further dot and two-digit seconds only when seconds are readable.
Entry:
2.19
